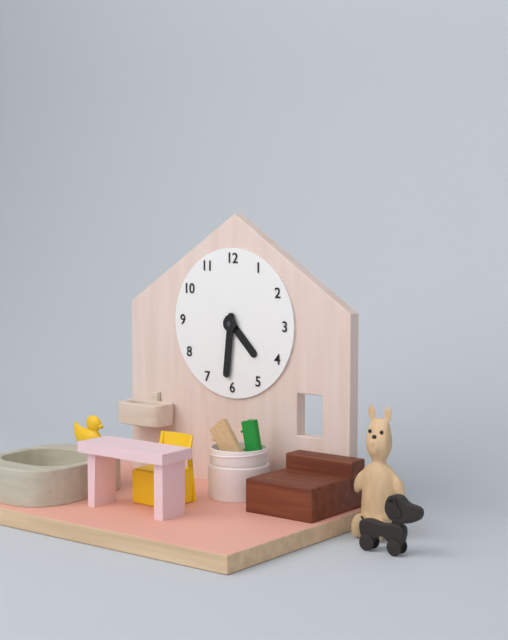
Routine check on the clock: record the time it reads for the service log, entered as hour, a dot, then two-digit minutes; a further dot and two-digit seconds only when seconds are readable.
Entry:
4.31
